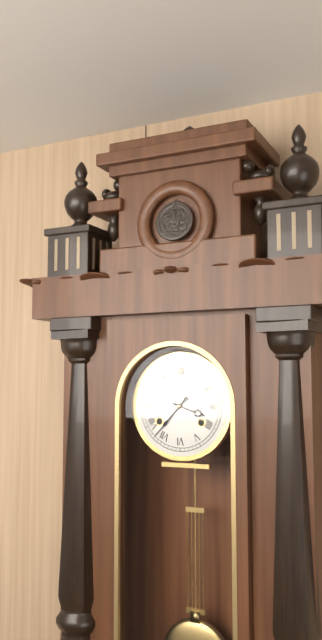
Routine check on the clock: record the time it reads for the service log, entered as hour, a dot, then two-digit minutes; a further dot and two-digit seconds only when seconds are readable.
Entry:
3.37
